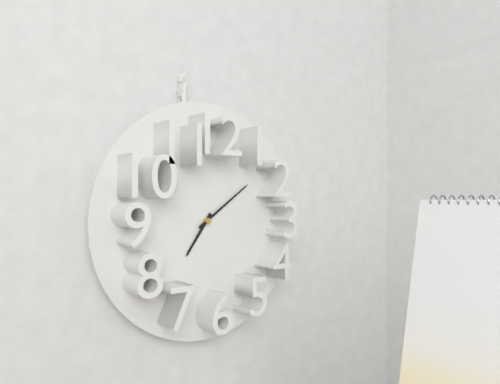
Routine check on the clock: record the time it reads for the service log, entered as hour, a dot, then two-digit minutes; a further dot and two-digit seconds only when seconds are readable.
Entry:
7.09
